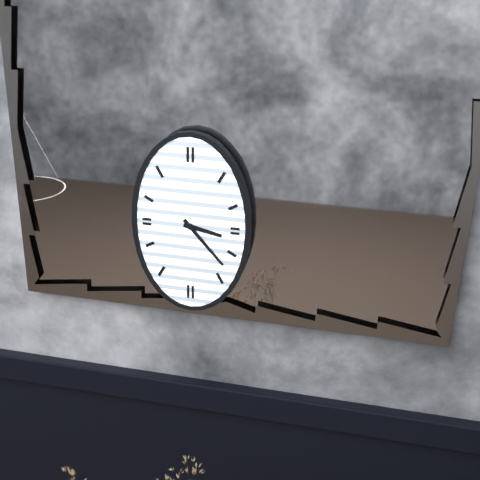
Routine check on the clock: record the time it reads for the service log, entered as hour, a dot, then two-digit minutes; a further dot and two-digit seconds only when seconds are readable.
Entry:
3.23
